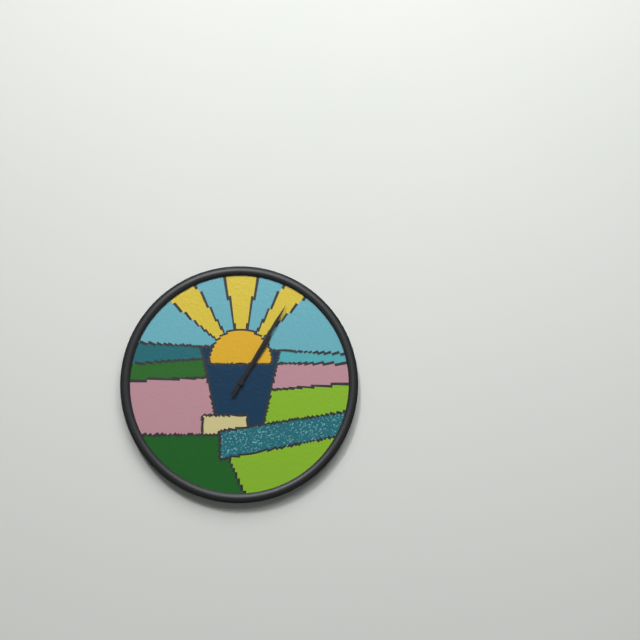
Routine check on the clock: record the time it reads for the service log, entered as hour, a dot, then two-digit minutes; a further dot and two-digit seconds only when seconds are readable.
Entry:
1.05
